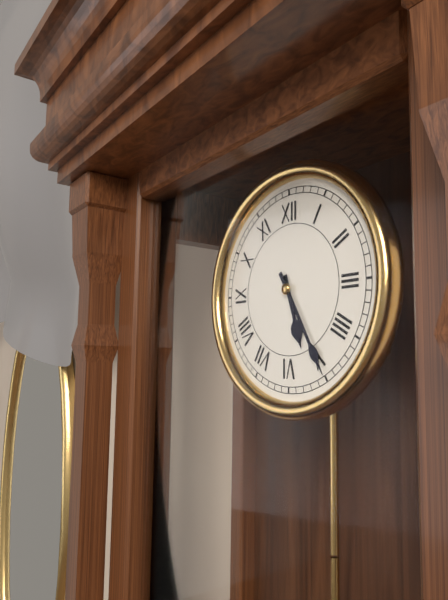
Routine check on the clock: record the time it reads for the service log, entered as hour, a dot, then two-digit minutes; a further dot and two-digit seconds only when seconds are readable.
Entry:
5.25
